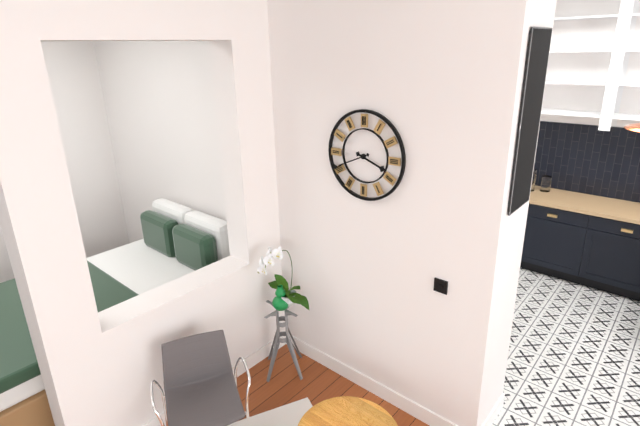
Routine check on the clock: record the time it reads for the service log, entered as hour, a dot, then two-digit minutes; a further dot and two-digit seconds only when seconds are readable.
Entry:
3.41
